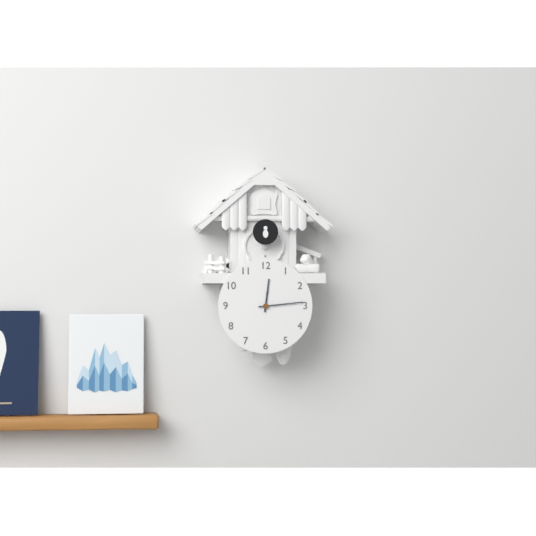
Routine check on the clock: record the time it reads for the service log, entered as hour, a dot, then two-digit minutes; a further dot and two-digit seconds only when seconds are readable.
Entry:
12.14
